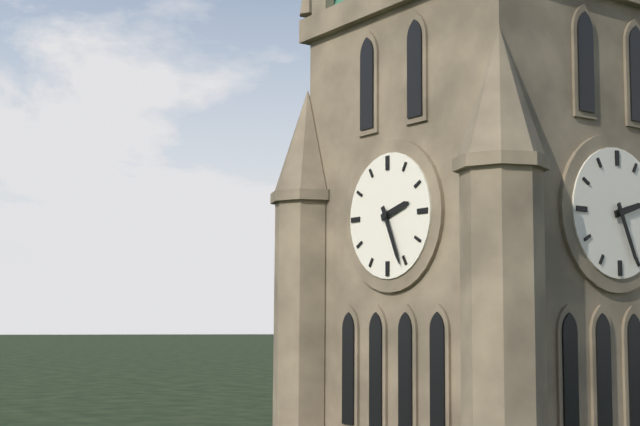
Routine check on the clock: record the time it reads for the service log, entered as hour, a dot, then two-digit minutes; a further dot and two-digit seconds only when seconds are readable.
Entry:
2.26
